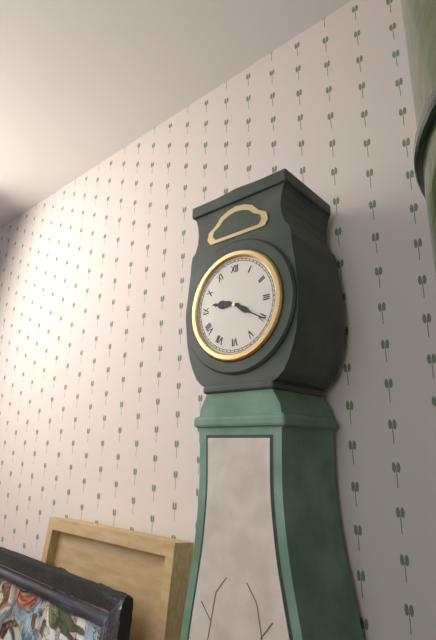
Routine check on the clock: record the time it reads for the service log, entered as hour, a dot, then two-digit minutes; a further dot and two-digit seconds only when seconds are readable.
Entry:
9.20
